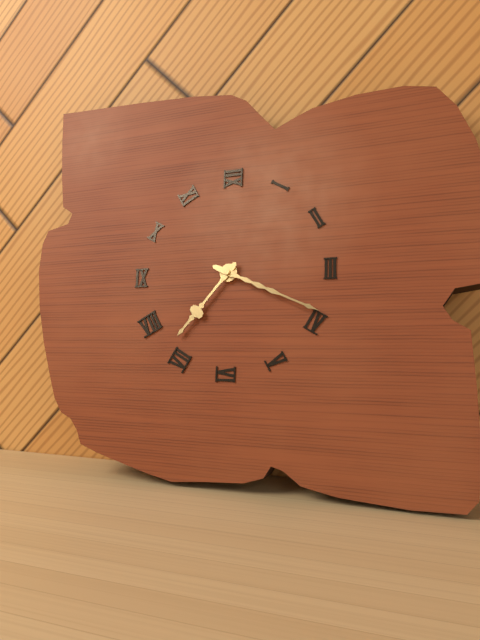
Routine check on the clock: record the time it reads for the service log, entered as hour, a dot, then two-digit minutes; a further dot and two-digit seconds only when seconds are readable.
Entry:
7.19
